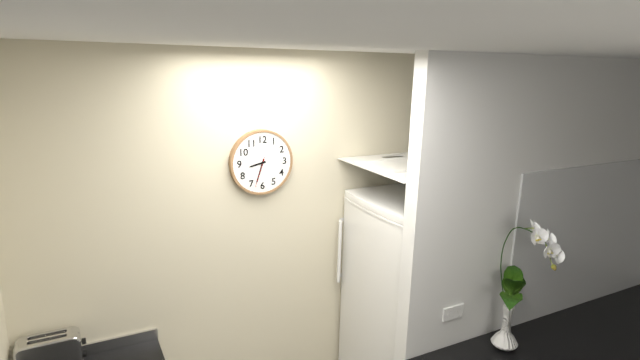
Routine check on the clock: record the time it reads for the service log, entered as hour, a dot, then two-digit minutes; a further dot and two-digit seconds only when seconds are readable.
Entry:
8.33
